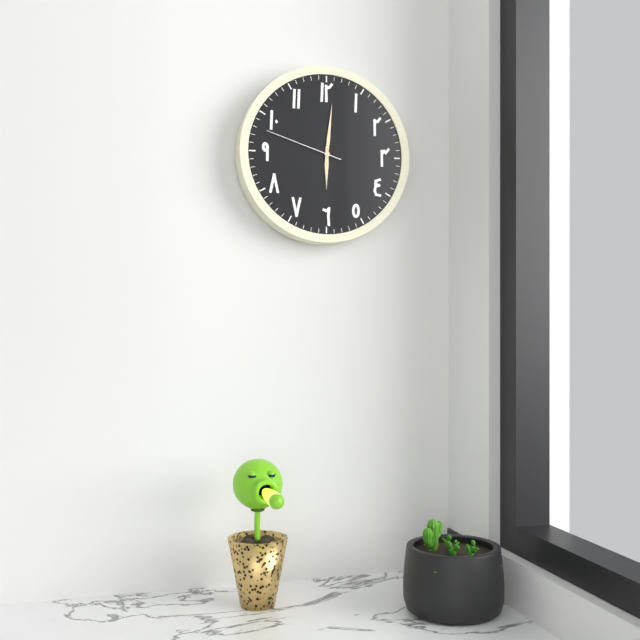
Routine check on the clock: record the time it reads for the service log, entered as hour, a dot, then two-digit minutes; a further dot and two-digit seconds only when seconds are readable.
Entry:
6.01.48
